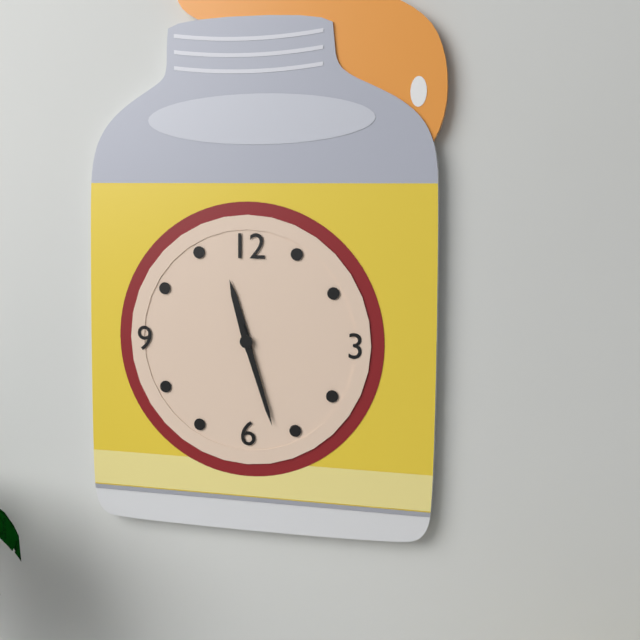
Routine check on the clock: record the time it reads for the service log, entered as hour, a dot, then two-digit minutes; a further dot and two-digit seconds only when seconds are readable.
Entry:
11.27
